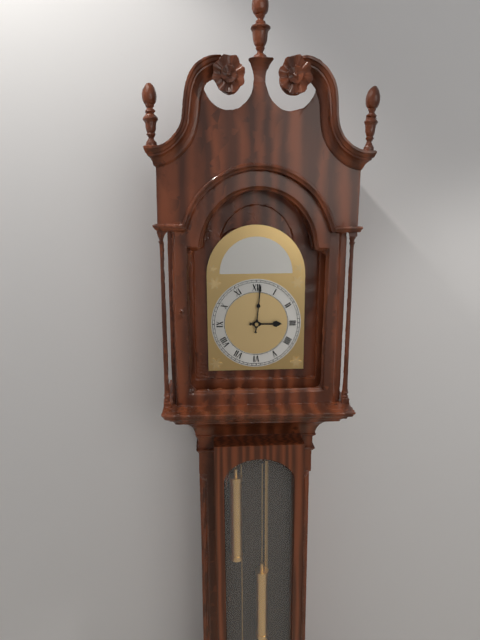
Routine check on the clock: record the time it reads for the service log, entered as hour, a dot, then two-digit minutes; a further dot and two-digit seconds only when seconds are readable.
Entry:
3.01
